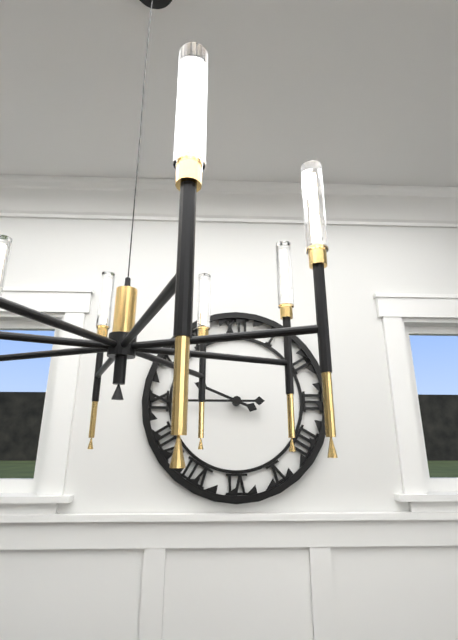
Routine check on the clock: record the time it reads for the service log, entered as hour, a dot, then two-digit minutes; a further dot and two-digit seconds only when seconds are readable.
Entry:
9.45
